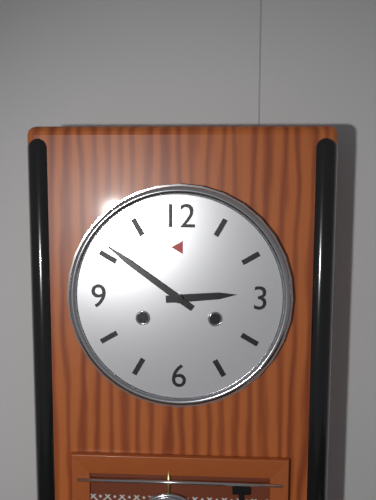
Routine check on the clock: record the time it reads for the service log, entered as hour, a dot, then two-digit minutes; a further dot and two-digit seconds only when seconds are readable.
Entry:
2.51
